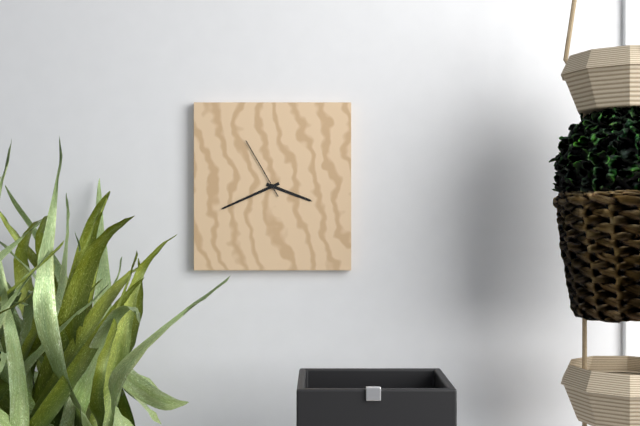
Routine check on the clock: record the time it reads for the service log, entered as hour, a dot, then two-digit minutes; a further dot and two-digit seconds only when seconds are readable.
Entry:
3.41.55
